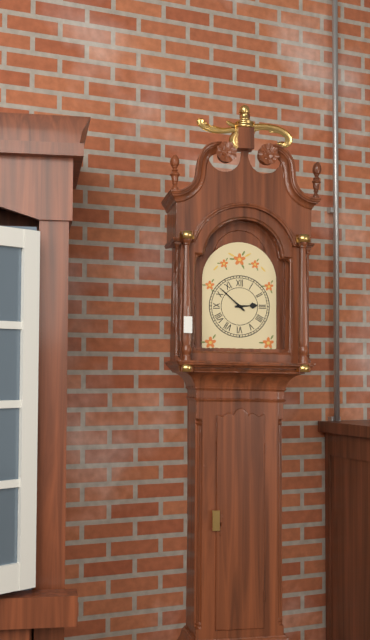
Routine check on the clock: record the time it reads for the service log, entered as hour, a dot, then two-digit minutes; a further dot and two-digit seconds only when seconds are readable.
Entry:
2.52
